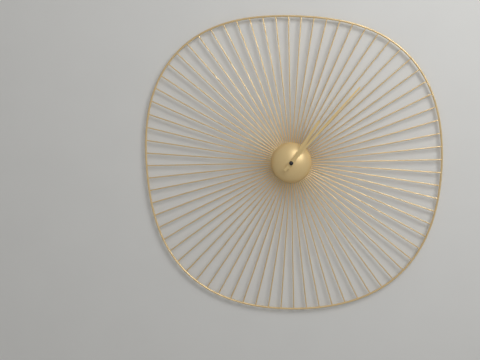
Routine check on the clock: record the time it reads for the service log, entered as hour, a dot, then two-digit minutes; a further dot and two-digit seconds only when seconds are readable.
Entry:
1.07
